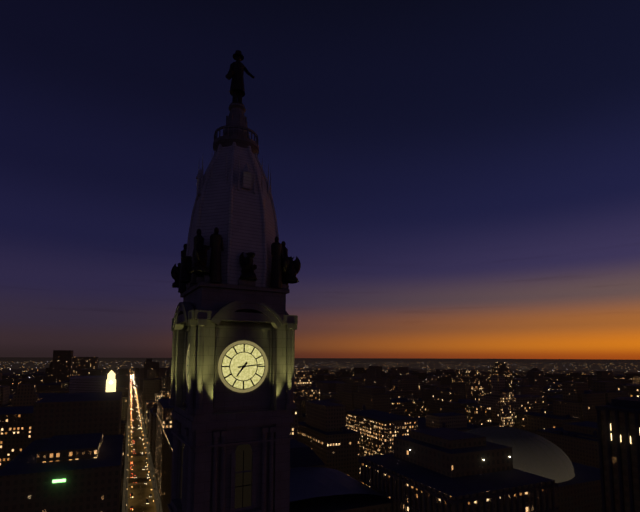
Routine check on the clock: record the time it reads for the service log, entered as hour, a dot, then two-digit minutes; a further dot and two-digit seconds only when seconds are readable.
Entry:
7.14
